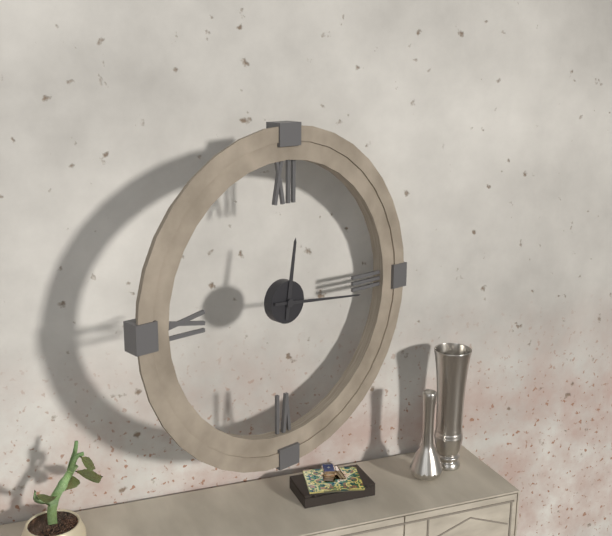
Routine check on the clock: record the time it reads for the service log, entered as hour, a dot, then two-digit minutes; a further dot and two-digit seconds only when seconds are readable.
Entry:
12.16
